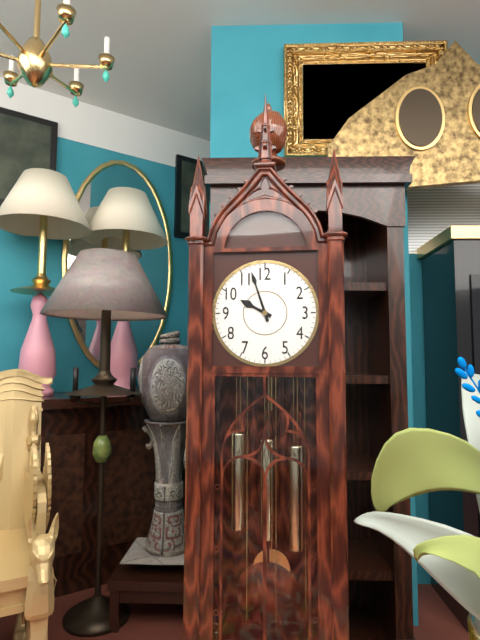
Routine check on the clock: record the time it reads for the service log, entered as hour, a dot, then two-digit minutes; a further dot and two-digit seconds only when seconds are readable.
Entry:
9.57
